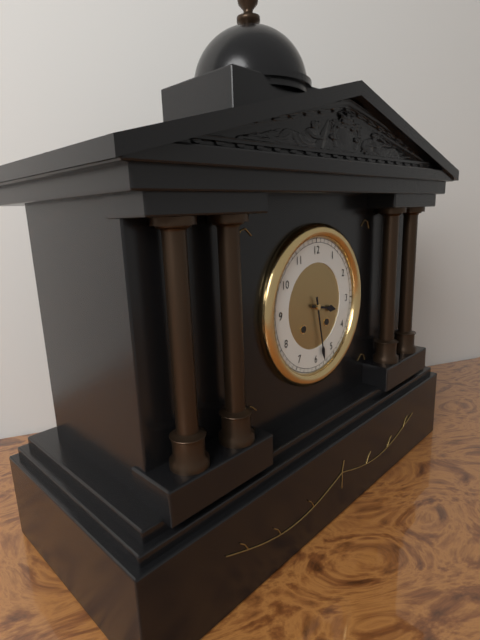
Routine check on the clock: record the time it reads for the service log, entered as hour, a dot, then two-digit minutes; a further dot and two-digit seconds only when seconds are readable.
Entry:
3.28
